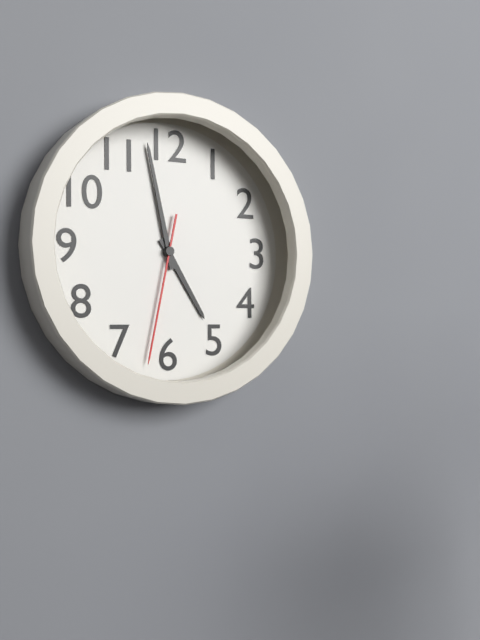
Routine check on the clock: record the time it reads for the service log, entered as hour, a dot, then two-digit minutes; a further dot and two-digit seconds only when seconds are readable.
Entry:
4.58.32
